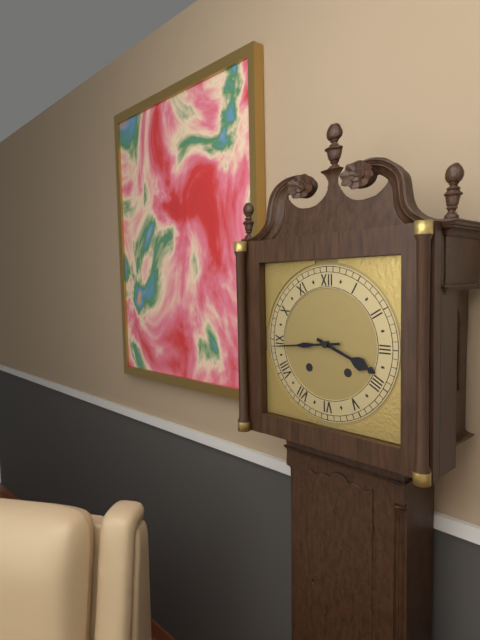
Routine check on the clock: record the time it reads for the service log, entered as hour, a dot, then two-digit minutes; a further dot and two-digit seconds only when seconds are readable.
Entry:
3.44
